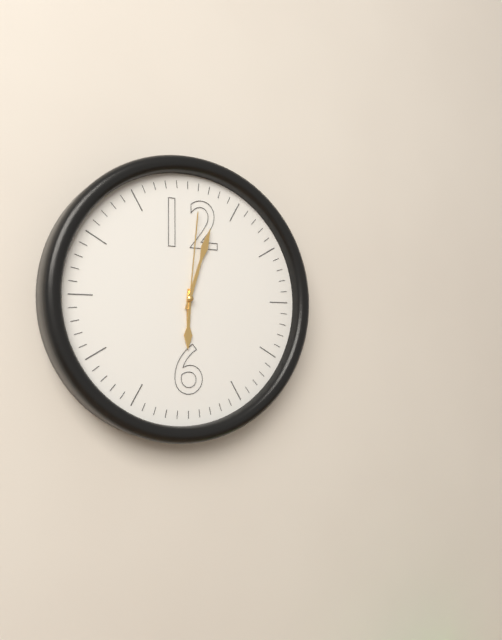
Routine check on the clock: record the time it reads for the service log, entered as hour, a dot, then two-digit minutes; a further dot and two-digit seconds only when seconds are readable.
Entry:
6.03.01
